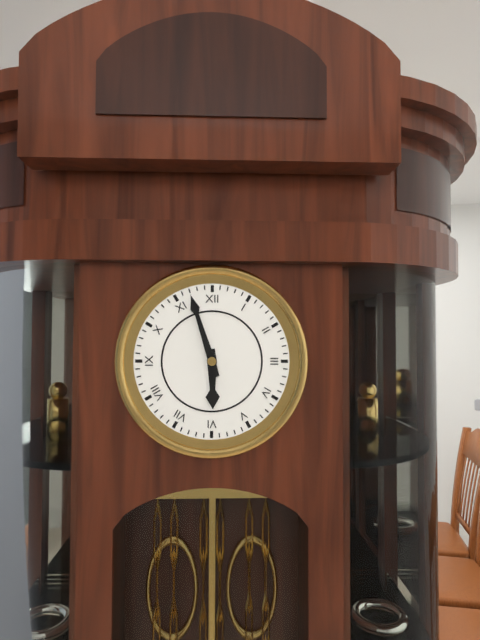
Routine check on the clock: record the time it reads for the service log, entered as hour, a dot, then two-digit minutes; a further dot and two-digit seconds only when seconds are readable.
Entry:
5.57
